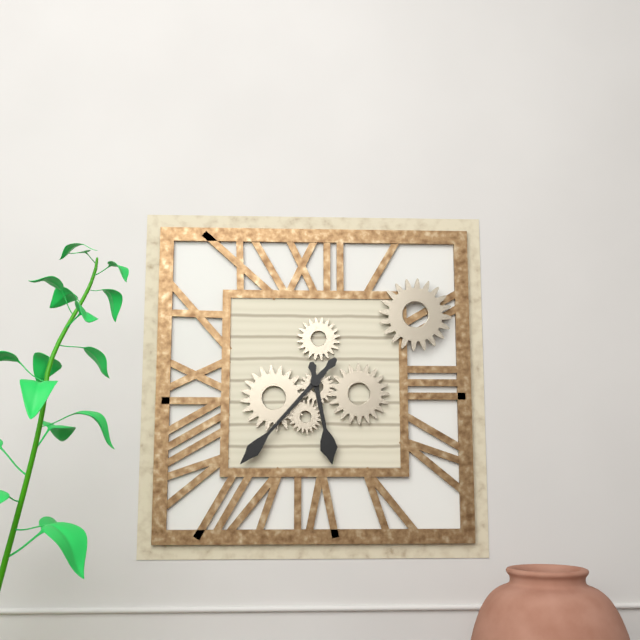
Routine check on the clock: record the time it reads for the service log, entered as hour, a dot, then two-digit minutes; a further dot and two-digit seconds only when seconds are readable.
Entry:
5.37
